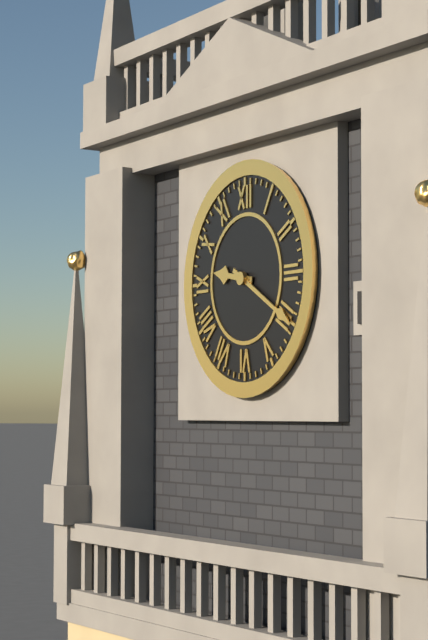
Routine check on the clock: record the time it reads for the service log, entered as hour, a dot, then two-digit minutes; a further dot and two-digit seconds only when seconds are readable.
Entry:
9.20
